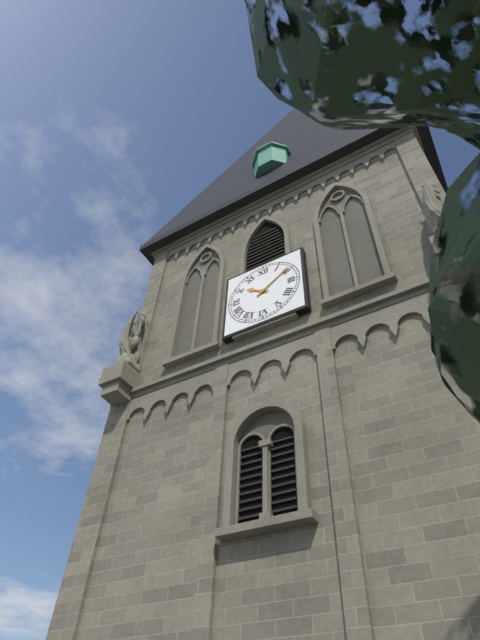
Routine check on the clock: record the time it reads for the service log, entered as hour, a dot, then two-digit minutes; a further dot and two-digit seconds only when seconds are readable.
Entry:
10.09
